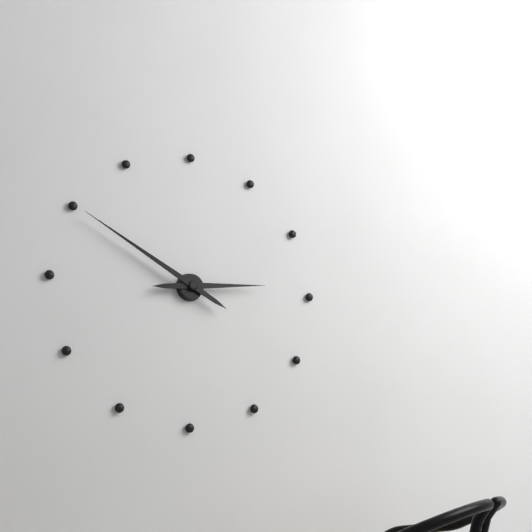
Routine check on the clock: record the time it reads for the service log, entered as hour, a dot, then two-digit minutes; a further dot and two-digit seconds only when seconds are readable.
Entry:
2.50
